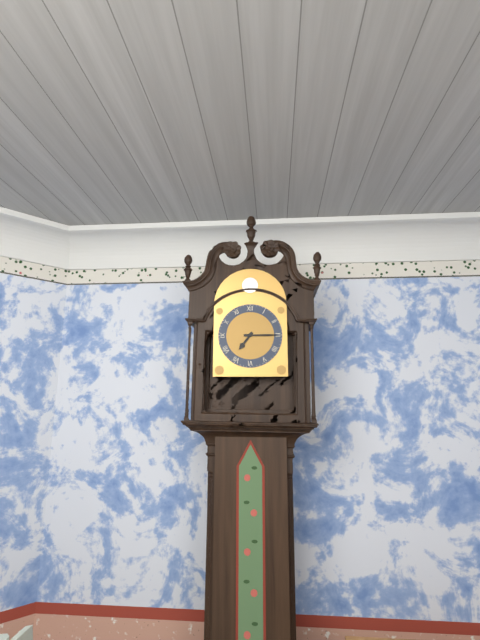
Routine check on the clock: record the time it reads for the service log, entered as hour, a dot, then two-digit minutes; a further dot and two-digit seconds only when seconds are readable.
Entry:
7.15
